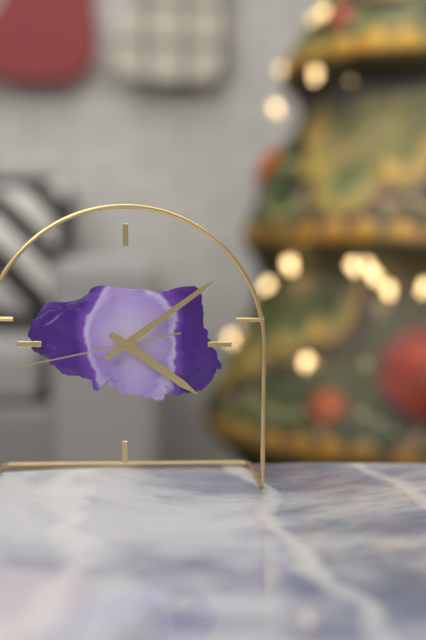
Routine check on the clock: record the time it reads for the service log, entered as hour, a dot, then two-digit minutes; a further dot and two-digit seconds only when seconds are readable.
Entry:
4.09.43
